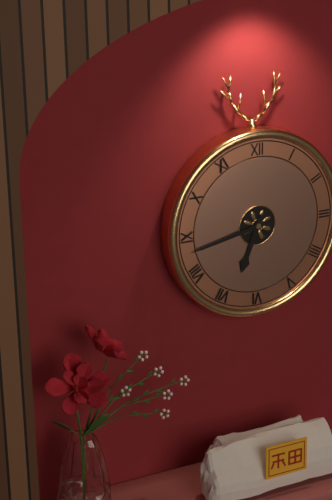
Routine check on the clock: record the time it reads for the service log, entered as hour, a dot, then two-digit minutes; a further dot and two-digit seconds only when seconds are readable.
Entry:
6.43
